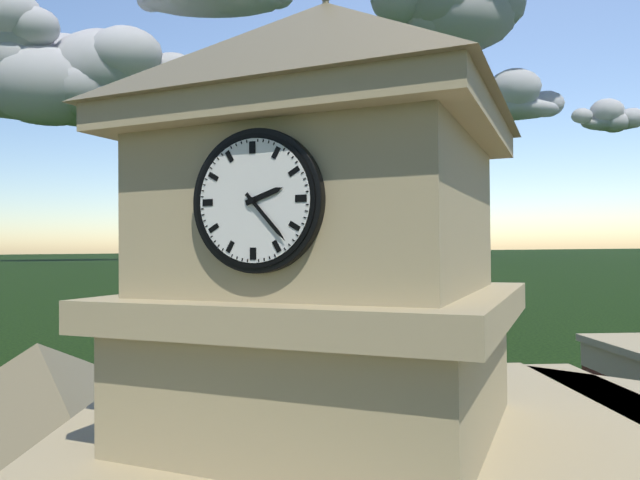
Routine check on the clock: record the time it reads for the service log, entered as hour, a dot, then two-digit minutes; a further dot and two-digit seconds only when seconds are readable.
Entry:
2.23
